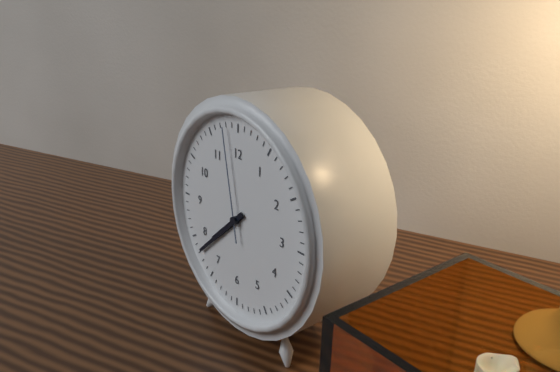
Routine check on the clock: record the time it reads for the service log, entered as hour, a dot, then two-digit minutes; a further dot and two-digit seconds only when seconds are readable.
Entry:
7.38.58
